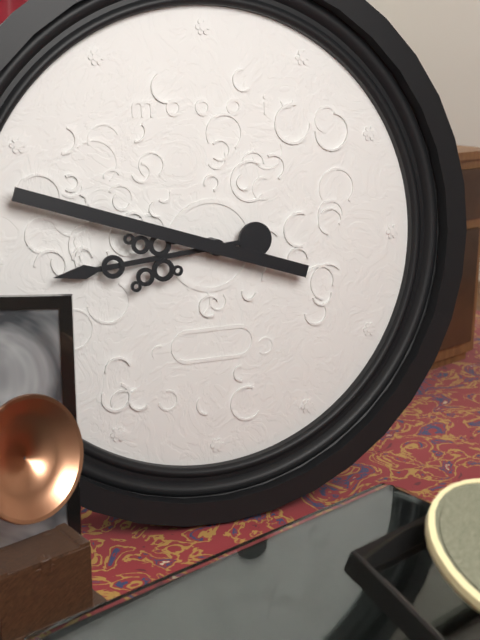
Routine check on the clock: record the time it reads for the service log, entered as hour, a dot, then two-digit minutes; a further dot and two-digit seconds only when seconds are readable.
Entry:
8.48
